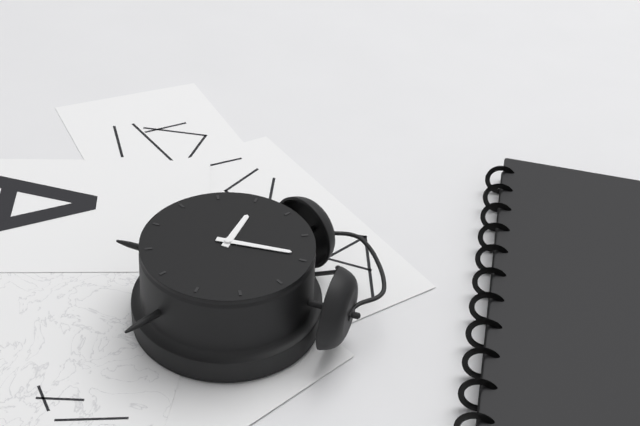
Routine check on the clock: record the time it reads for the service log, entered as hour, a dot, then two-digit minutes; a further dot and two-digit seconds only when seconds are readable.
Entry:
10.04
